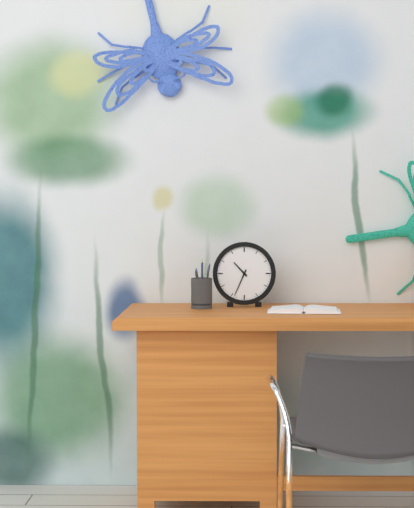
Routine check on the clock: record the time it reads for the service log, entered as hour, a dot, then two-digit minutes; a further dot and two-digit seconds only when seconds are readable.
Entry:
10.34
